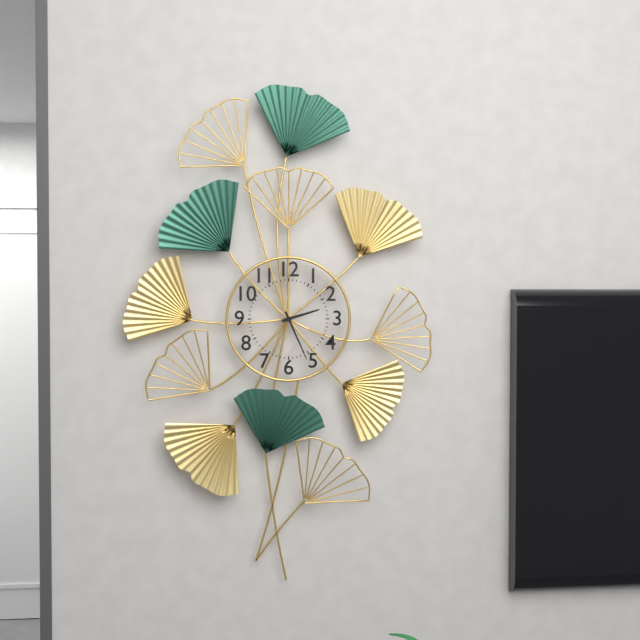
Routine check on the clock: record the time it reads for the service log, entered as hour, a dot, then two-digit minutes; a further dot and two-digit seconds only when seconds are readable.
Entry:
2.26
